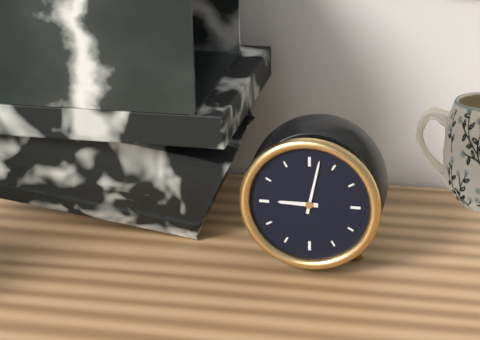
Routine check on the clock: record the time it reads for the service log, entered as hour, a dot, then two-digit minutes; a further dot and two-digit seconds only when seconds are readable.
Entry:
9.02
